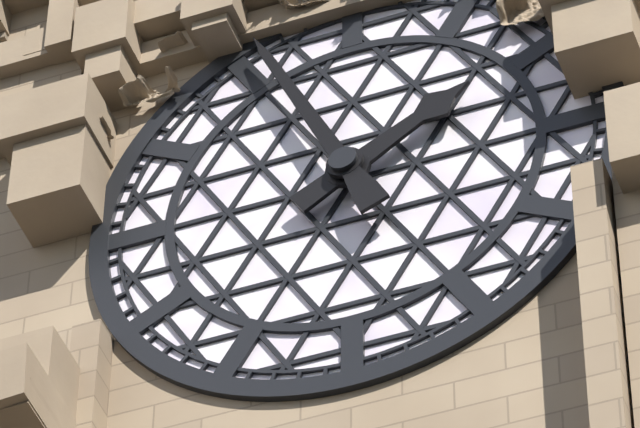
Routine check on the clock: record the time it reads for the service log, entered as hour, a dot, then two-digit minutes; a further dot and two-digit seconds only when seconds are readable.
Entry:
1.56
